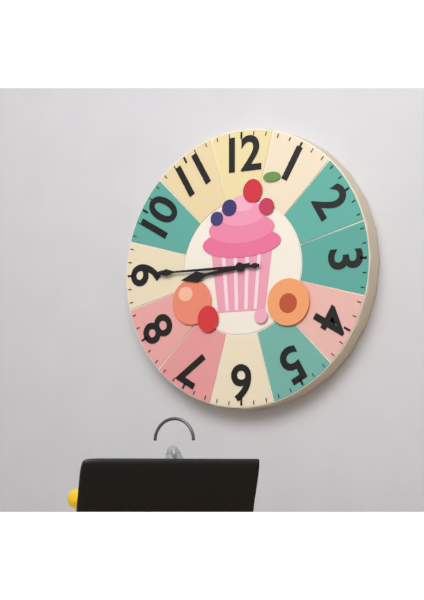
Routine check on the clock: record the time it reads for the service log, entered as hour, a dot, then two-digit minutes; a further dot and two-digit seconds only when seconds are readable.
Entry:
8.45
